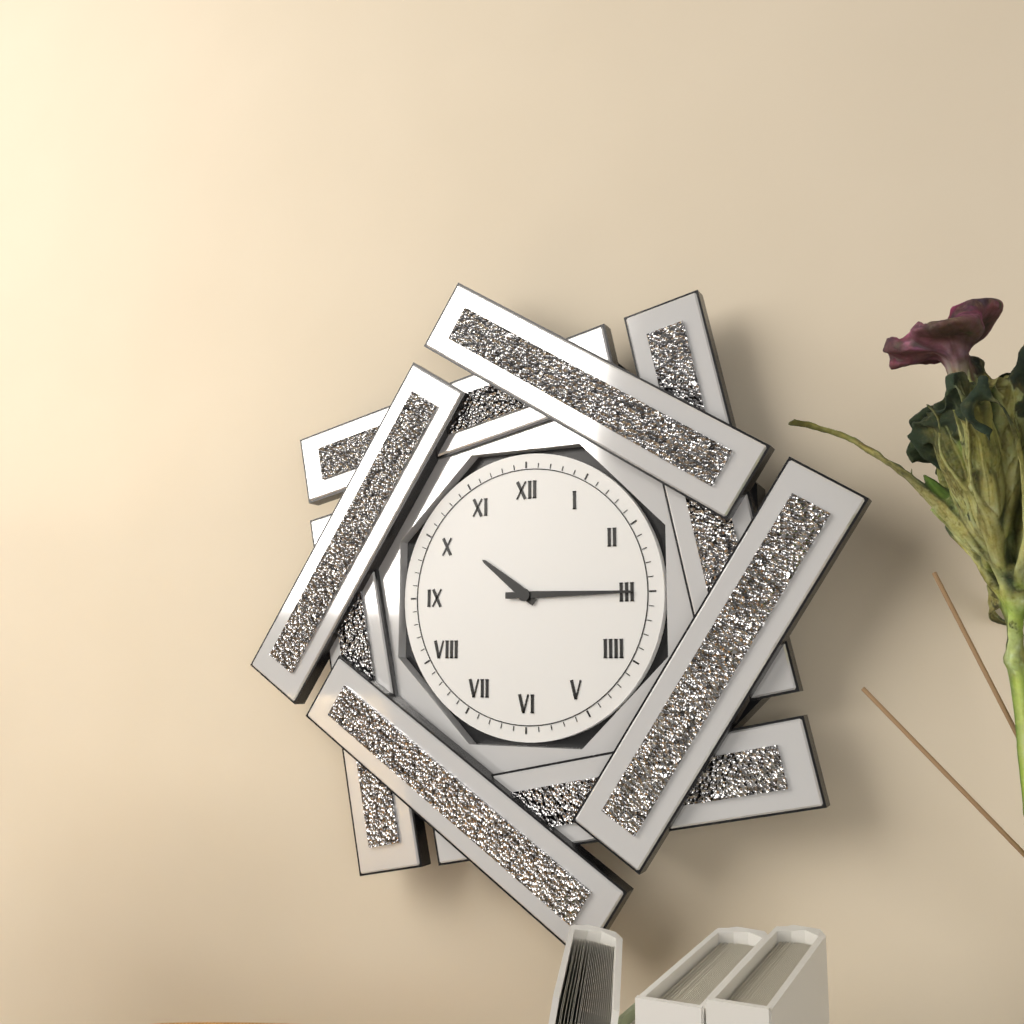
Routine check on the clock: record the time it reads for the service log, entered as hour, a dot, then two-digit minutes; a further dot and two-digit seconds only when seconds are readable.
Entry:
10.15
